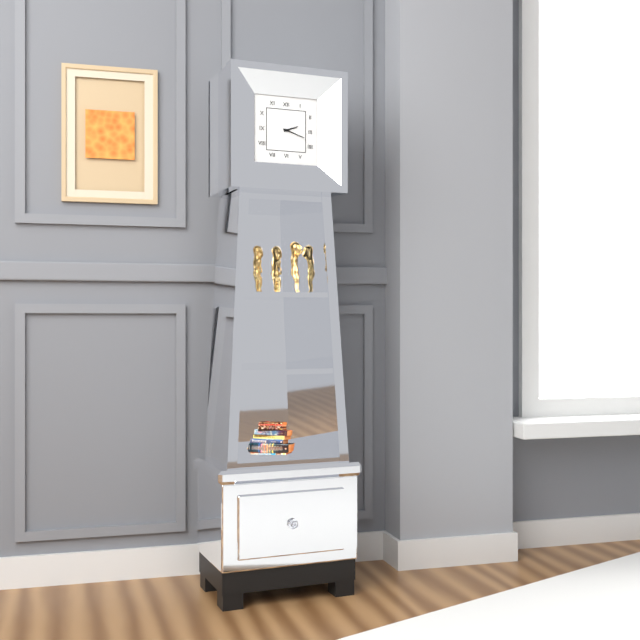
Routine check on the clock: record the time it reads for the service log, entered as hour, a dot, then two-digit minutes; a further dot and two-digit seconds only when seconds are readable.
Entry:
2.18
